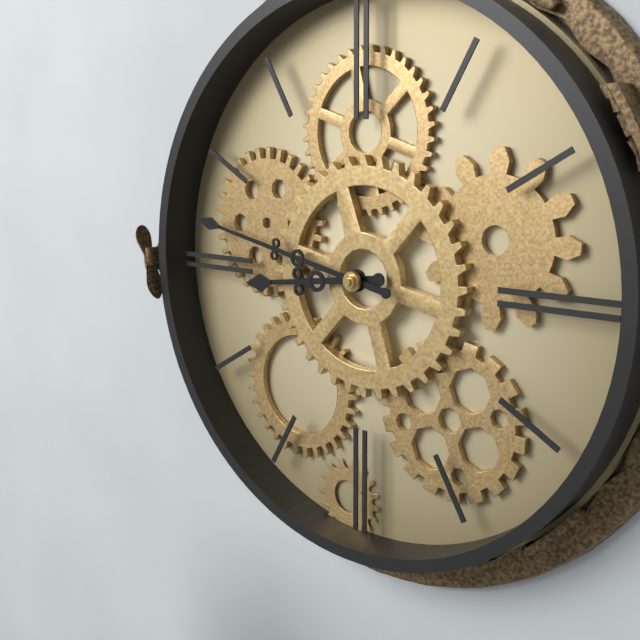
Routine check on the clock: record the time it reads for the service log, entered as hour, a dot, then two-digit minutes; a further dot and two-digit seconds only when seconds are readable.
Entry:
8.47
